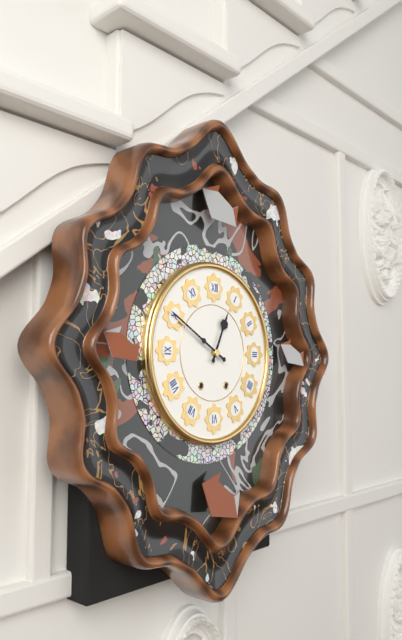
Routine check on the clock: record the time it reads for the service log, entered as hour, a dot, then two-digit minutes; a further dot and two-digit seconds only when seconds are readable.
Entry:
12.50
